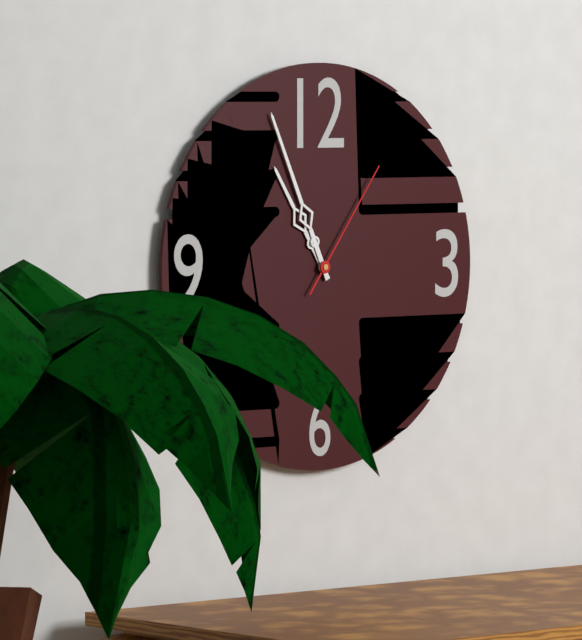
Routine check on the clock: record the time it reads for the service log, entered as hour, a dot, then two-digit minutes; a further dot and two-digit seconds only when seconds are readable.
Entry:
10.56.06
